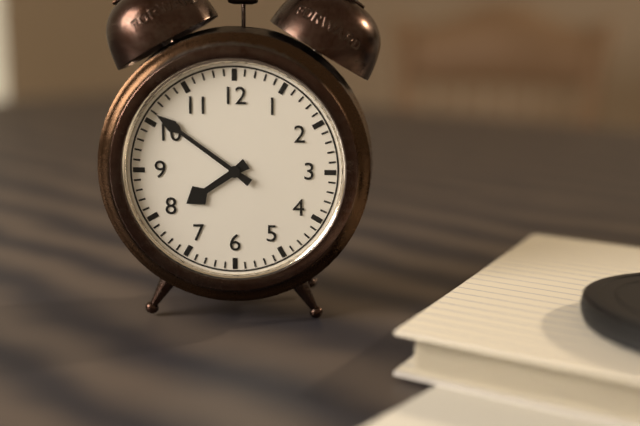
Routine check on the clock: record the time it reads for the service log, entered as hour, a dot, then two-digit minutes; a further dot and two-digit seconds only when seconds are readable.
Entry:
7.51
